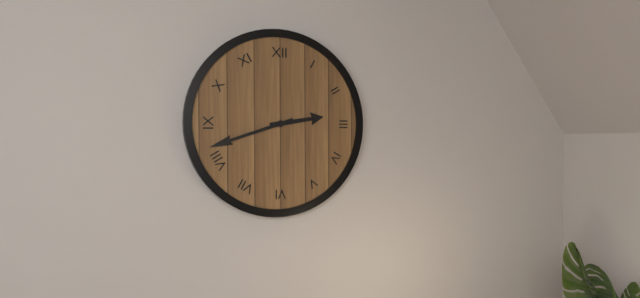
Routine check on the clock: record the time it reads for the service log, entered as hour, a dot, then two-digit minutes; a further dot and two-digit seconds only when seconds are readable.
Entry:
2.42
